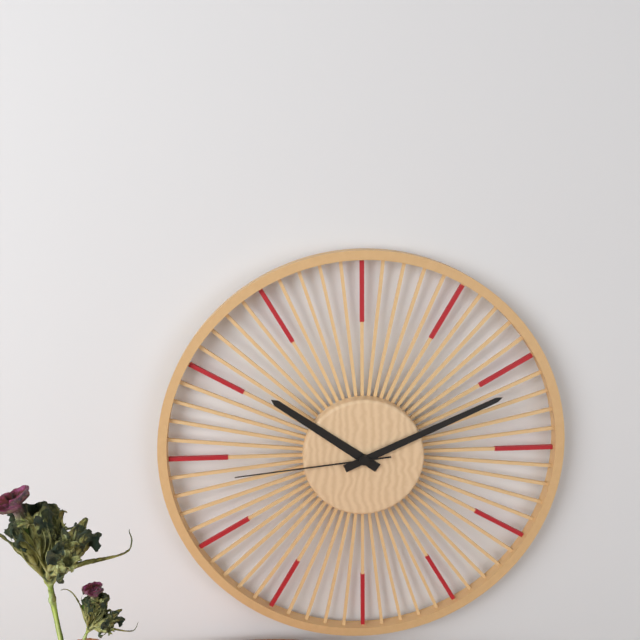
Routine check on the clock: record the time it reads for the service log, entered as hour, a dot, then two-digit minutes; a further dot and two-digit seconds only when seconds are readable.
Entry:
10.11.44
